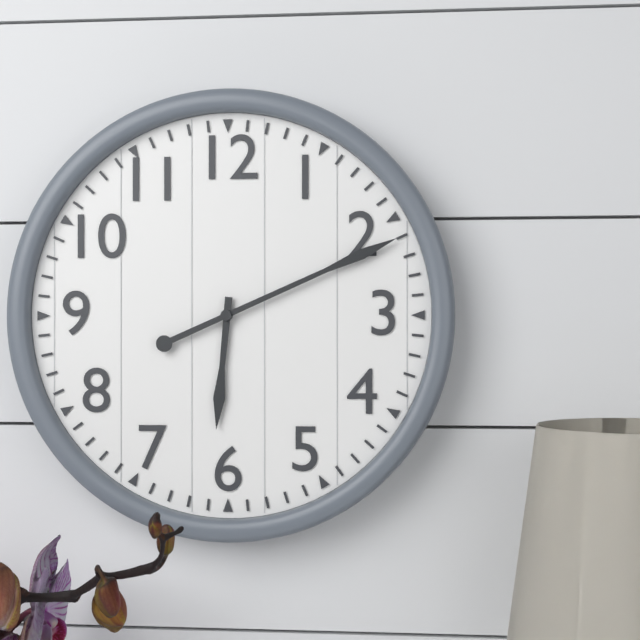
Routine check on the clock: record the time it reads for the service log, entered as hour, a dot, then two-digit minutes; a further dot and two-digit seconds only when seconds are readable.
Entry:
6.11
